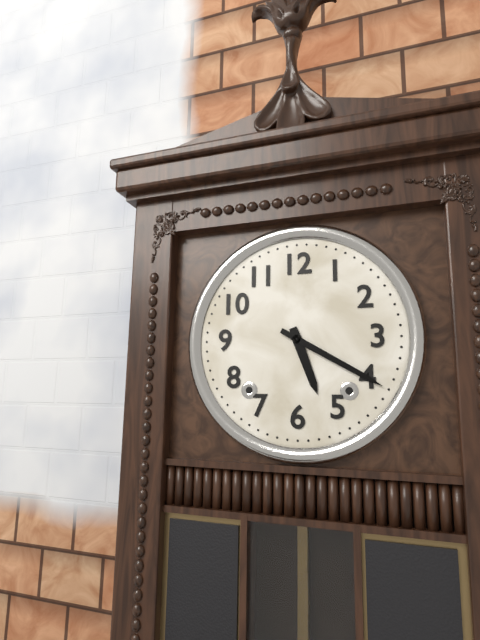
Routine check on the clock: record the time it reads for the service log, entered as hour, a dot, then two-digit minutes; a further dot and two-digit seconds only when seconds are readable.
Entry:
5.20
